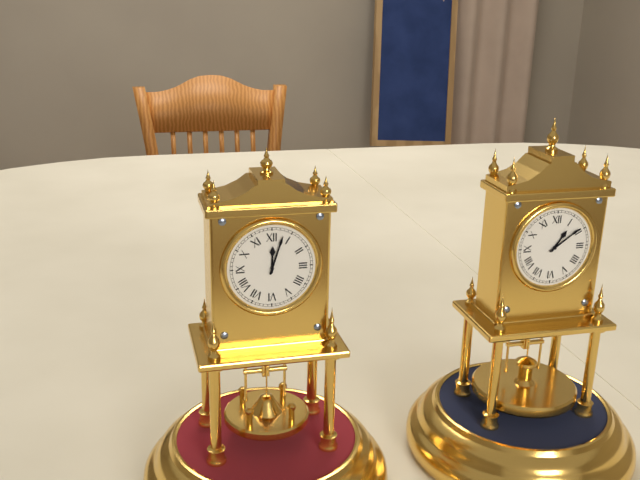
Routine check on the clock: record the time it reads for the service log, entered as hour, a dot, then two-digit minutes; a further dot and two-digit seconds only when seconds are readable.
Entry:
12.03
